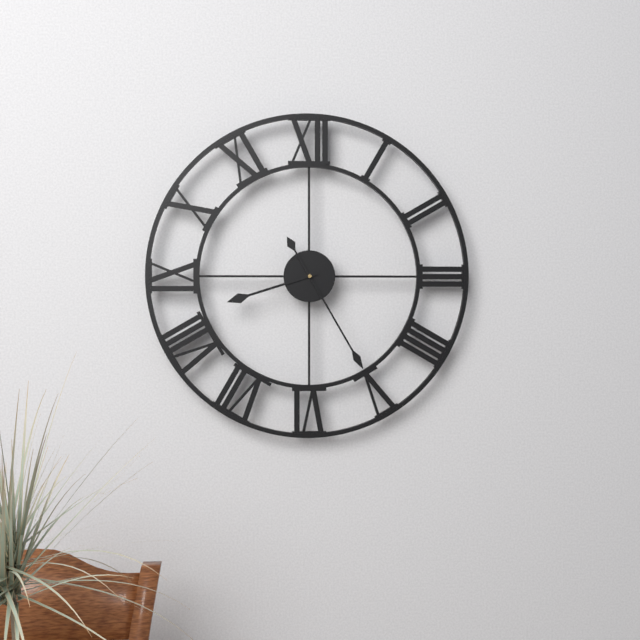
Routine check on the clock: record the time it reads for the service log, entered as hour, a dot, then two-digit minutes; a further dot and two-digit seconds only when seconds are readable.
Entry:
8.25
